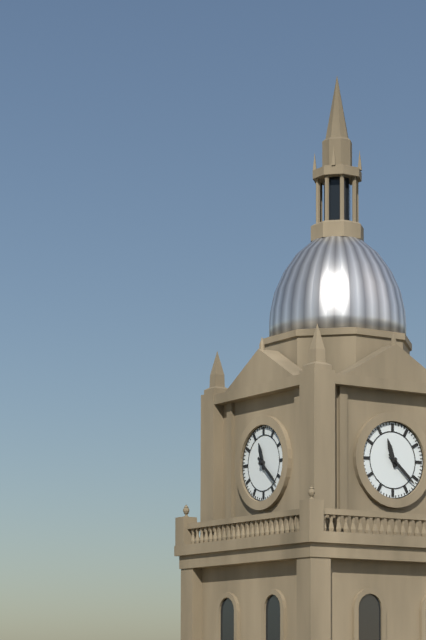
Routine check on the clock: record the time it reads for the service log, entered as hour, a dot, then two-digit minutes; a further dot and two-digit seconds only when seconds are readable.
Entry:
11.22
